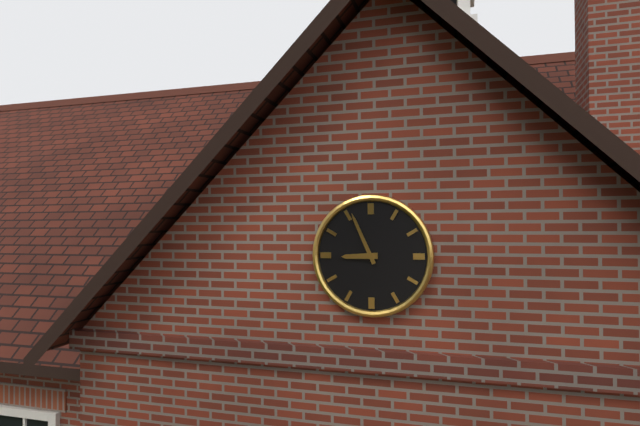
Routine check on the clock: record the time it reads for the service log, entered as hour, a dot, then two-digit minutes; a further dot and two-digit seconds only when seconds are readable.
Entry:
8.56
